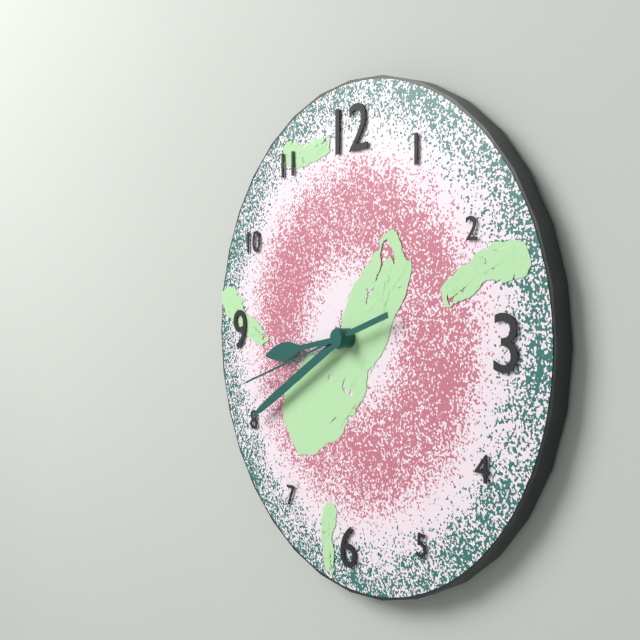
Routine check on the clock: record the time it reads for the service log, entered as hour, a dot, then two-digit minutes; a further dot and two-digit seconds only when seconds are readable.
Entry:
8.40.42
